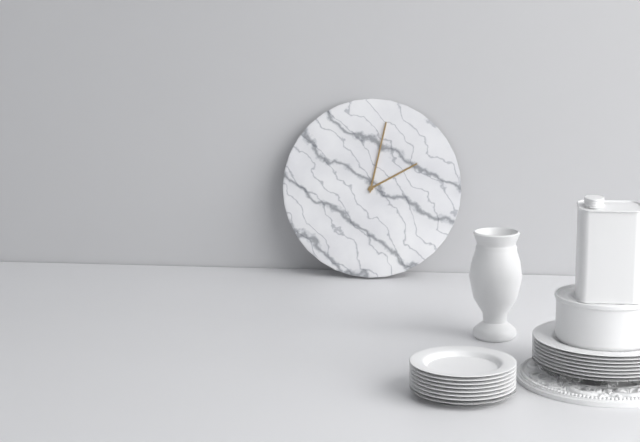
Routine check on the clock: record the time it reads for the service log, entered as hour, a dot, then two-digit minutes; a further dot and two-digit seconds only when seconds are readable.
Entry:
2.02
